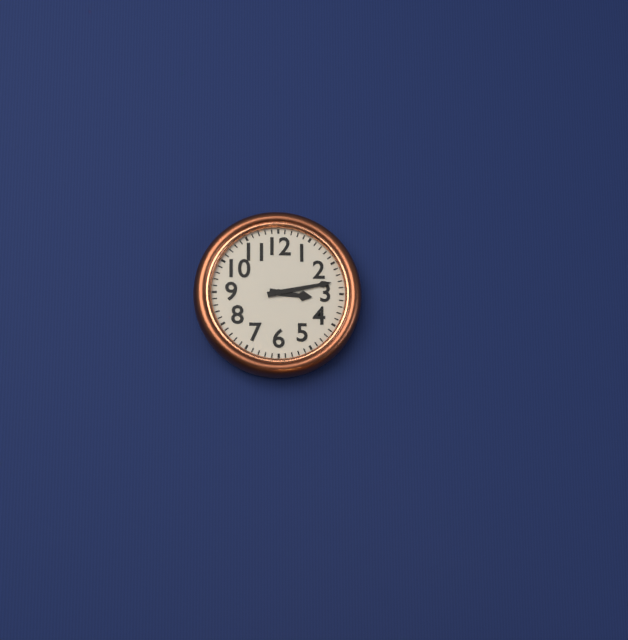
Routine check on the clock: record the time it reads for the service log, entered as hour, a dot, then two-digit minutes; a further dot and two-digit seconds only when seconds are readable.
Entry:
3.13
